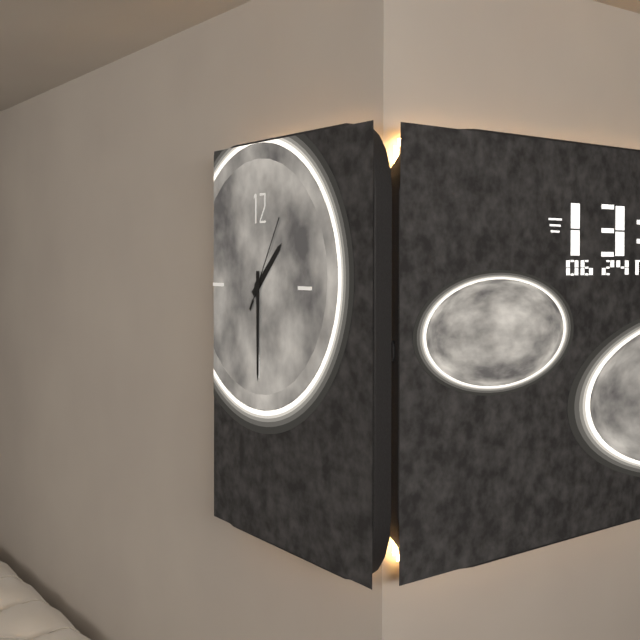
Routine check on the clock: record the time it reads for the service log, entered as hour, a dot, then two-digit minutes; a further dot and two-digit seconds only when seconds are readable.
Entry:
1.30.05
